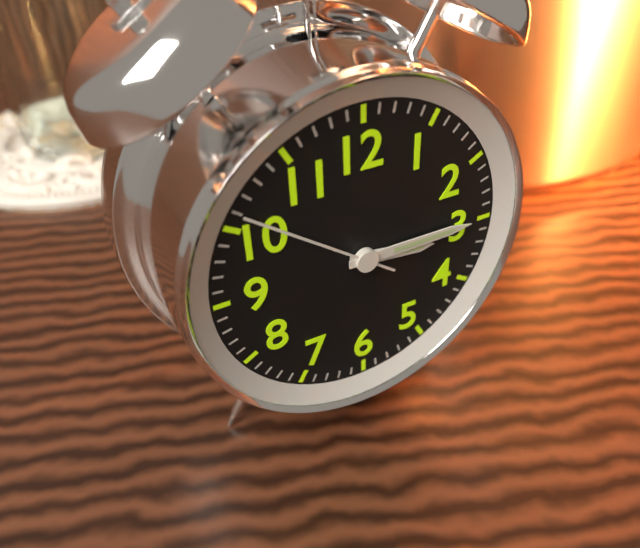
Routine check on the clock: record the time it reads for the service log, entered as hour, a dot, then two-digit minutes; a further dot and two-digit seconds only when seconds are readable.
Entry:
3.15.51
